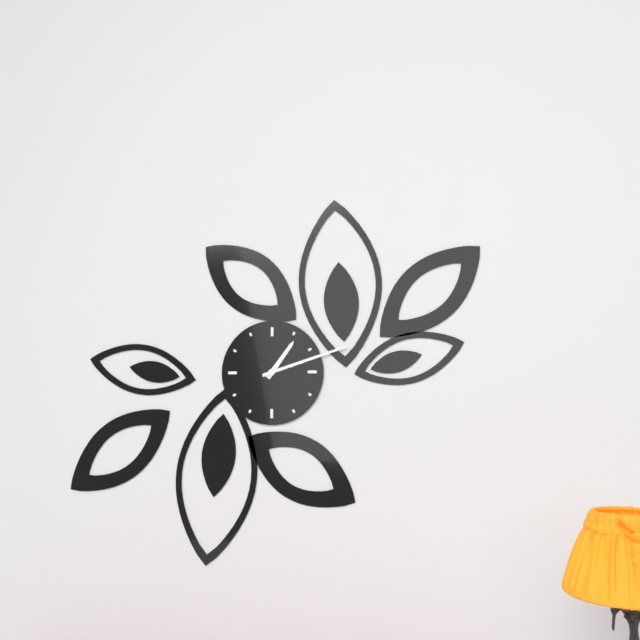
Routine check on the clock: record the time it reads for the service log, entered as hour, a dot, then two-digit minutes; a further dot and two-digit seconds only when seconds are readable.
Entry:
1.12
